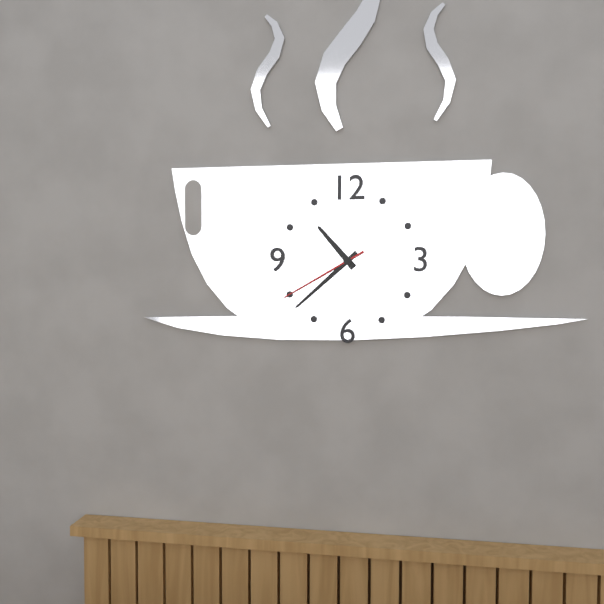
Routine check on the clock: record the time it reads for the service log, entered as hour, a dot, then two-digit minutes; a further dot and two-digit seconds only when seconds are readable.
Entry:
10.38.40
